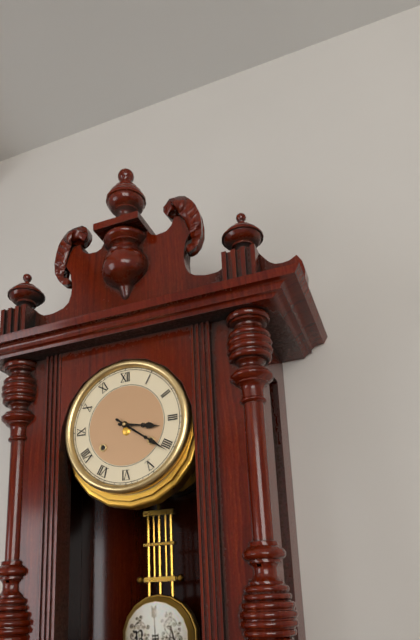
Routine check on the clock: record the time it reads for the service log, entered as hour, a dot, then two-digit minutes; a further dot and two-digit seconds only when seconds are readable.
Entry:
3.21
